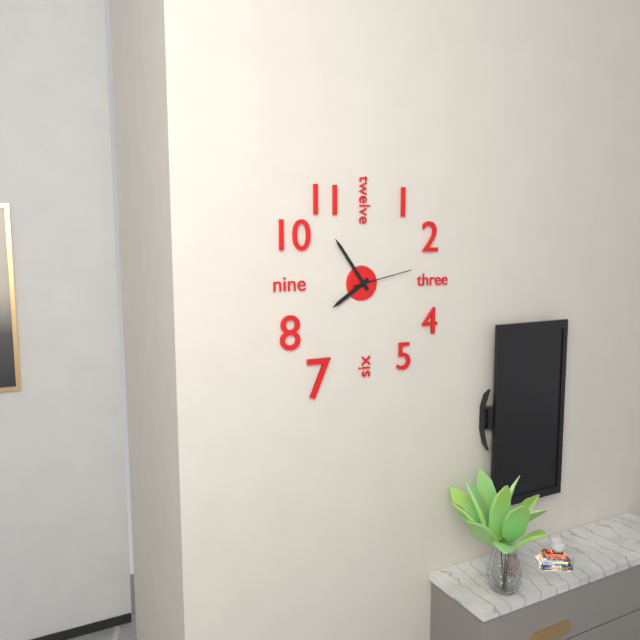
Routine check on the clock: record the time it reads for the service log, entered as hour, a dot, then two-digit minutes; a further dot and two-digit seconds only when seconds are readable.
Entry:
7.54.13
